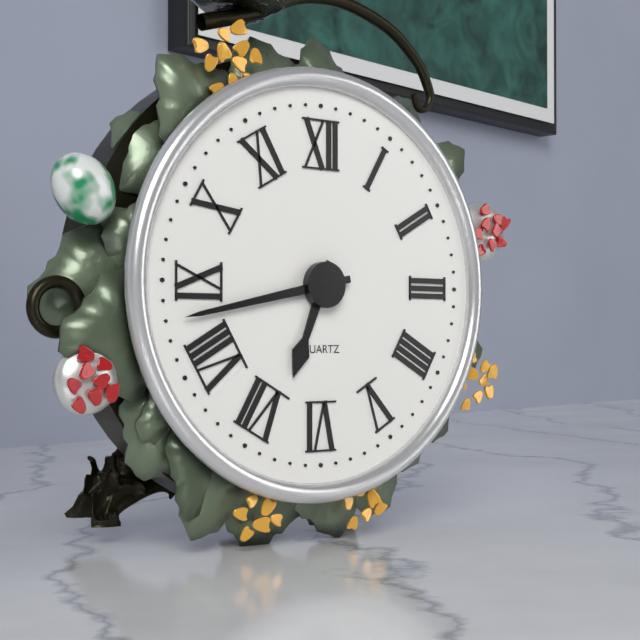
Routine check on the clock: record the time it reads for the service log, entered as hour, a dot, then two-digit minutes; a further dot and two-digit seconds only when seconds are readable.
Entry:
6.43
